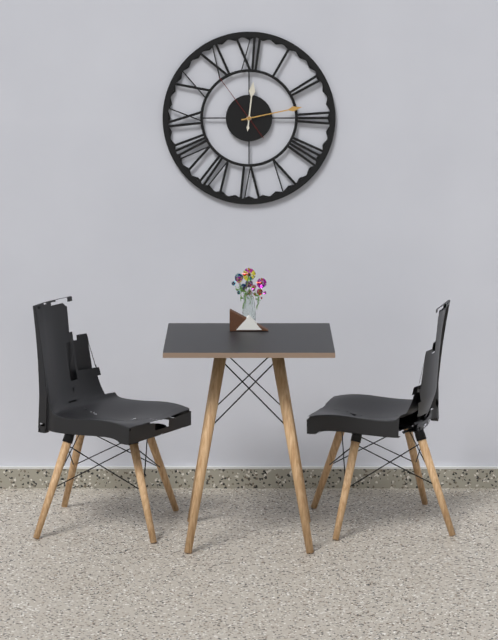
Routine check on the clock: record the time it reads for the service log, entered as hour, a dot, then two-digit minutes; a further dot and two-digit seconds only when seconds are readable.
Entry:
12.13.54
